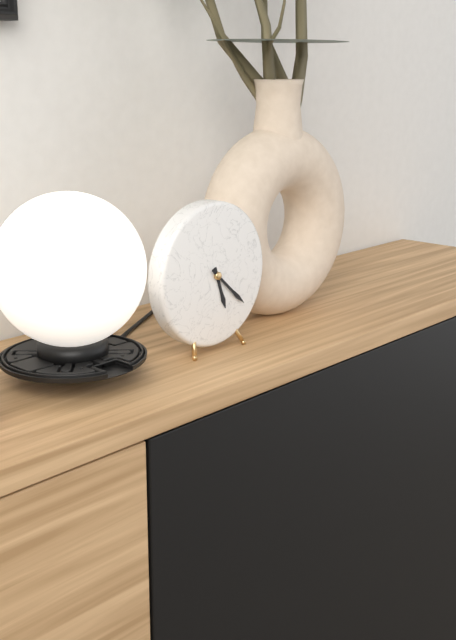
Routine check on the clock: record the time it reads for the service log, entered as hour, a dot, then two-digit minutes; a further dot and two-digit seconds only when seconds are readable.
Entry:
5.22
